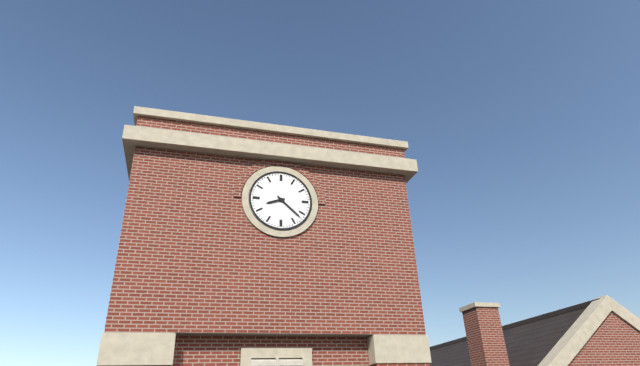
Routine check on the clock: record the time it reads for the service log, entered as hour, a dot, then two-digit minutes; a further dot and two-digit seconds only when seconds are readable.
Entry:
8.22
